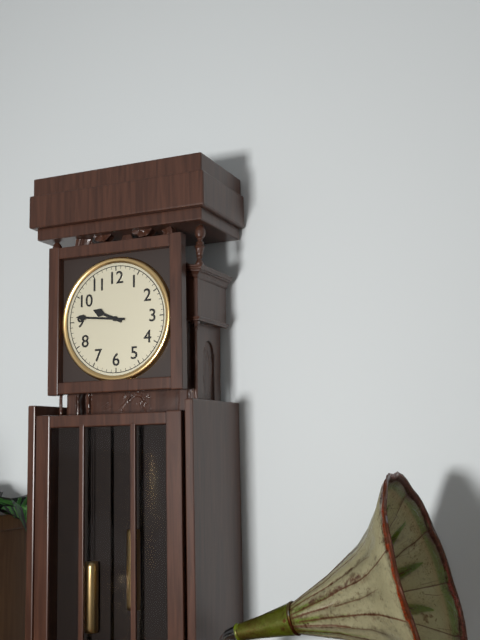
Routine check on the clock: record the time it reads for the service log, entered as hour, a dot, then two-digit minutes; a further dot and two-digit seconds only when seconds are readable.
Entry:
9.46
